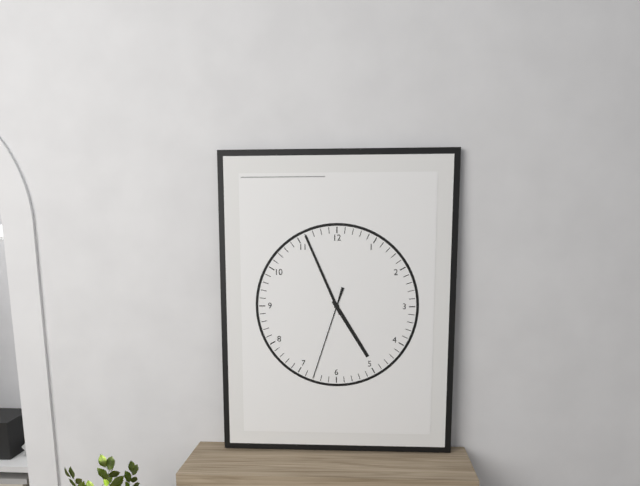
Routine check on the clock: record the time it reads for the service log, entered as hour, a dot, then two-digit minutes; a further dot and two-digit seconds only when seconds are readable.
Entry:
4.56.33
